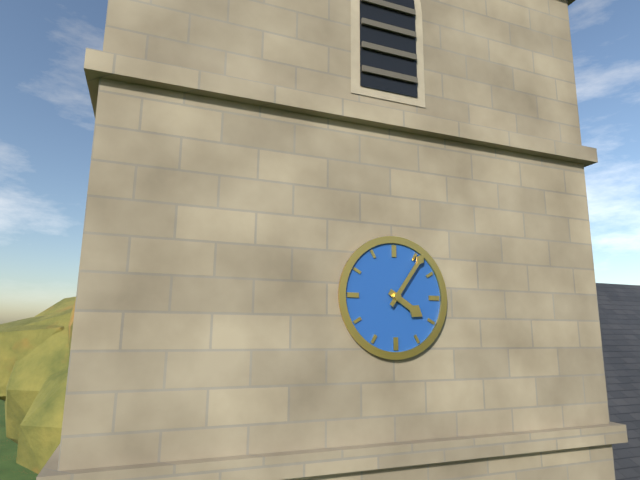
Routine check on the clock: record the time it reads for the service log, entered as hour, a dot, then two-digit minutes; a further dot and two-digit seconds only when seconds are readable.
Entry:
4.06
